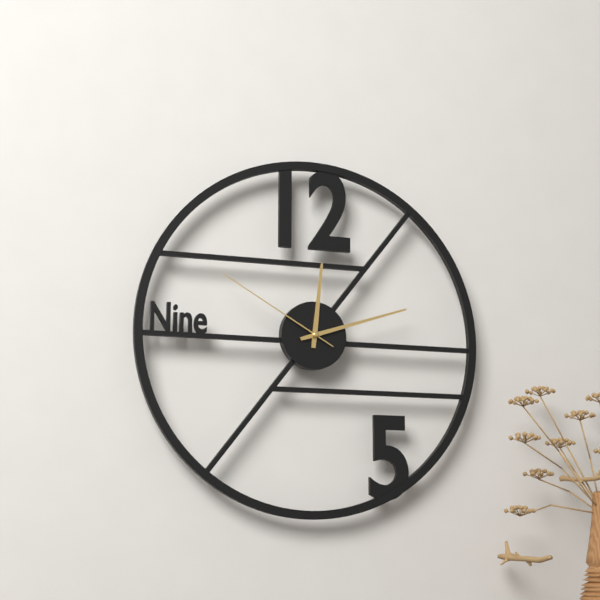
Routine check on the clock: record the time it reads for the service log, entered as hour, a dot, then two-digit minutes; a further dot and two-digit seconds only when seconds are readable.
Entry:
12.12.50
